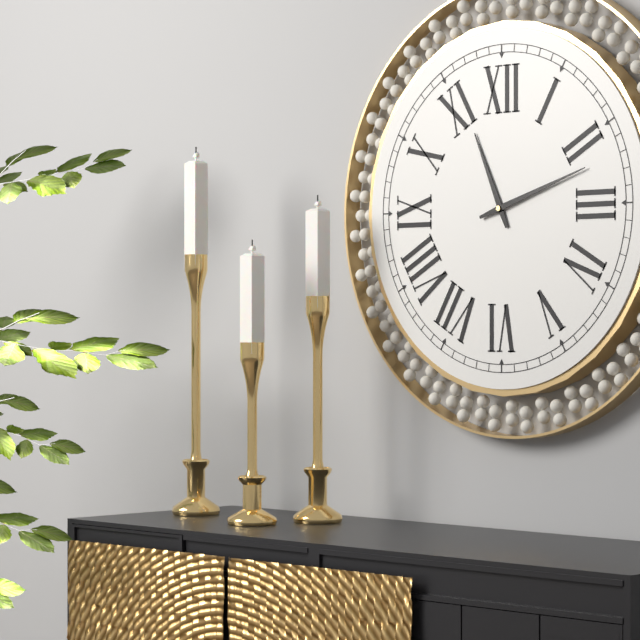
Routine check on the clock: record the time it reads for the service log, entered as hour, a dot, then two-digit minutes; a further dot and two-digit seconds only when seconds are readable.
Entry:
11.12
